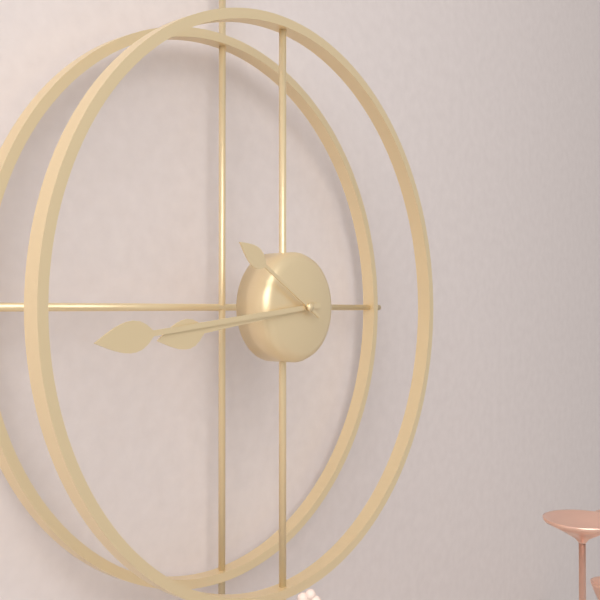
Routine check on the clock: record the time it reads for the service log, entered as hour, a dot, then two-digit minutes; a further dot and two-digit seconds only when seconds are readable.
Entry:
8.44.50
